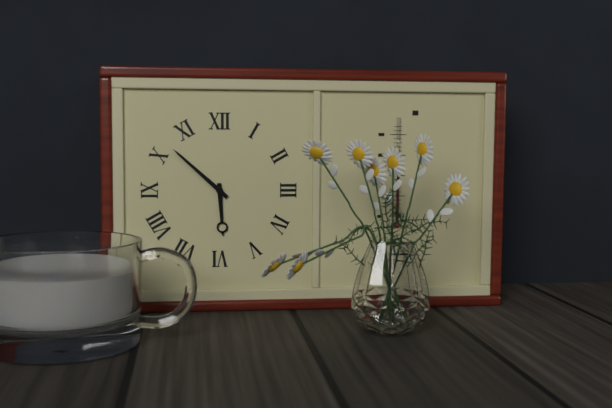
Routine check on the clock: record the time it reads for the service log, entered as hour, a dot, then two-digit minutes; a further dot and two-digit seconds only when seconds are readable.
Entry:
5.52
